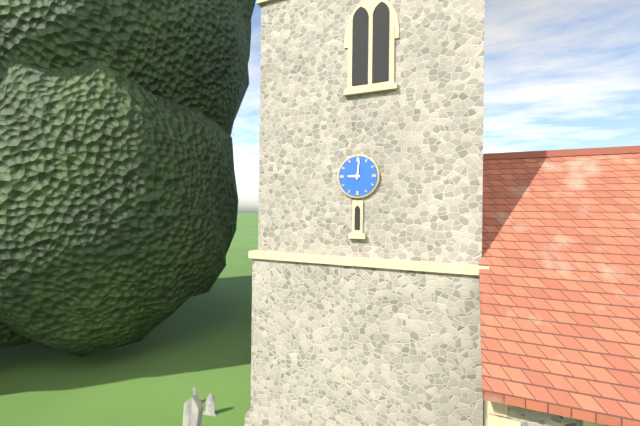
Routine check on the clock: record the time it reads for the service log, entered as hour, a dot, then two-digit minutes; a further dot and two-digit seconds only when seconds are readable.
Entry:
9.01
